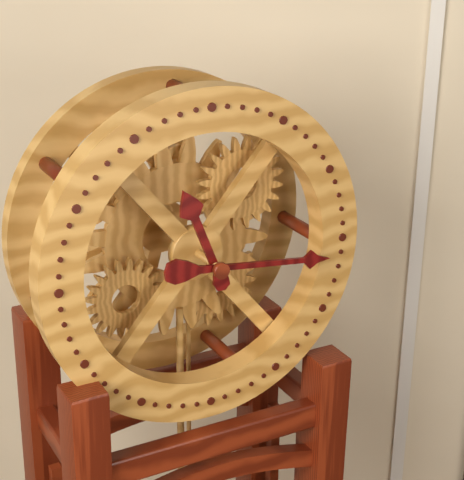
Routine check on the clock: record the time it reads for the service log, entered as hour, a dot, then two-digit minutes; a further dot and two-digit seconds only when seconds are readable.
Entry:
11.16
